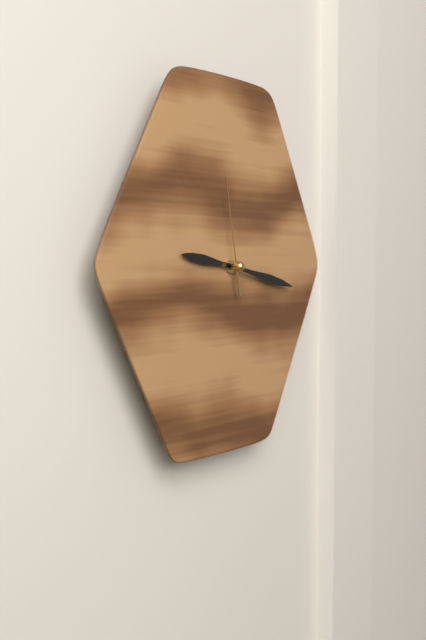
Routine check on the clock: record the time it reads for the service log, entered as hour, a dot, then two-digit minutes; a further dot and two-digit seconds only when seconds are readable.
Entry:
9.17.58
